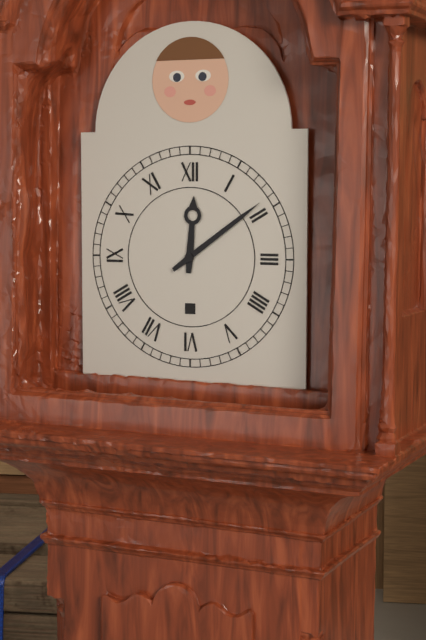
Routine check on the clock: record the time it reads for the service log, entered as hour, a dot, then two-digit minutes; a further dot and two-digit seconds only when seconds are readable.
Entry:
12.09
